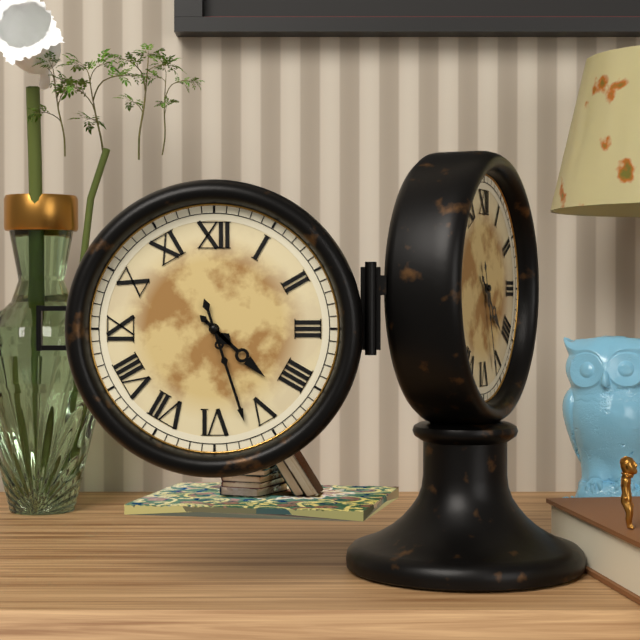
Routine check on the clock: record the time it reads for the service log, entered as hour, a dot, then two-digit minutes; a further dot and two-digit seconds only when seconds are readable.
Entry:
4.27
